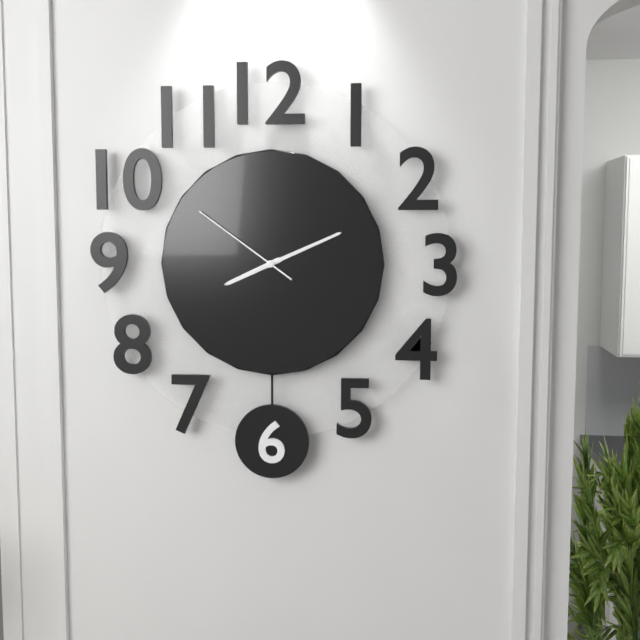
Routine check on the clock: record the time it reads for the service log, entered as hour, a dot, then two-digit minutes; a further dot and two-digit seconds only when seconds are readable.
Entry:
8.11.51
